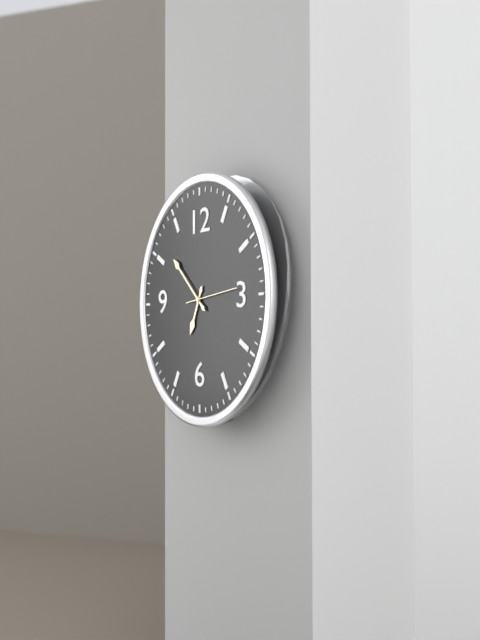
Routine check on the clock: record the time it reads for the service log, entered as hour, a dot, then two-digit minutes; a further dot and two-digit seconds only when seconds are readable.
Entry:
6.52.14
